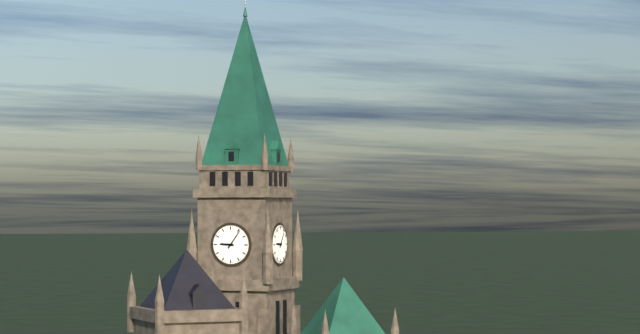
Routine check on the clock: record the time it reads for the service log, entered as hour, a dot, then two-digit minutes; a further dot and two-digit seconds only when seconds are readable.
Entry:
9.06
